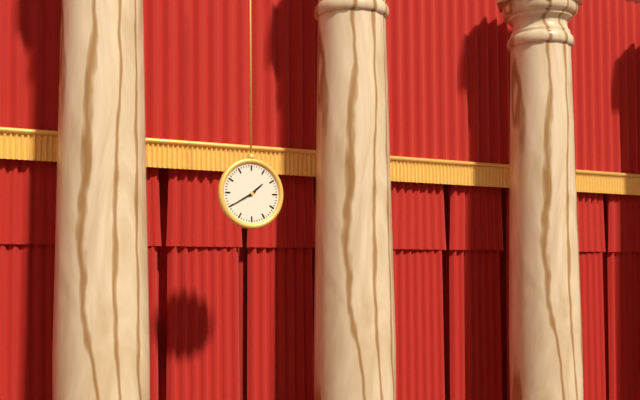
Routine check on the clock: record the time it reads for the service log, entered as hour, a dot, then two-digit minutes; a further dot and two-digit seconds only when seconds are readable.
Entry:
1.40
